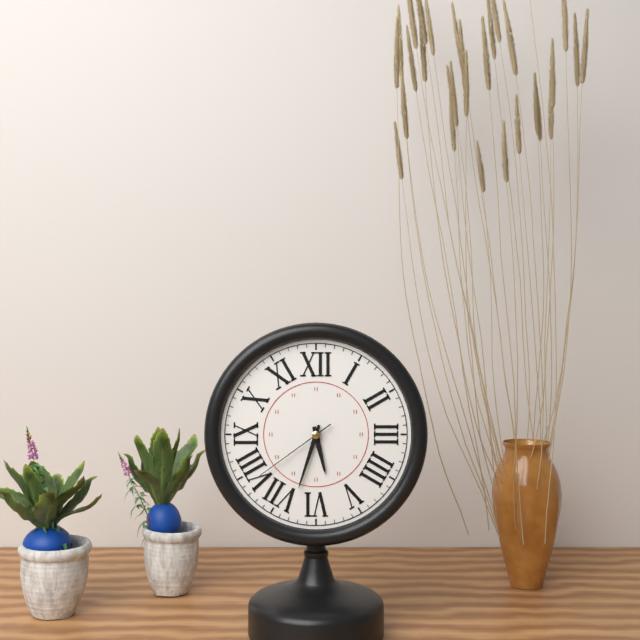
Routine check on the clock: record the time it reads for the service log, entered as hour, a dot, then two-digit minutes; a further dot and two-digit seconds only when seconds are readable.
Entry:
5.33.39
